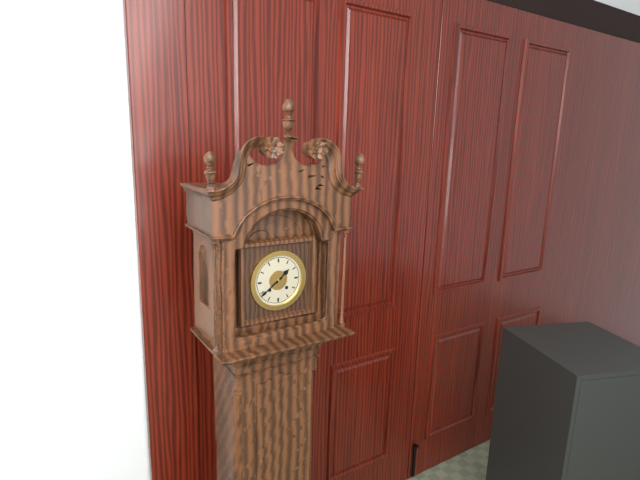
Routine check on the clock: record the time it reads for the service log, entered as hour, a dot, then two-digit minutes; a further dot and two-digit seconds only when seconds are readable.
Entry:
1.39
